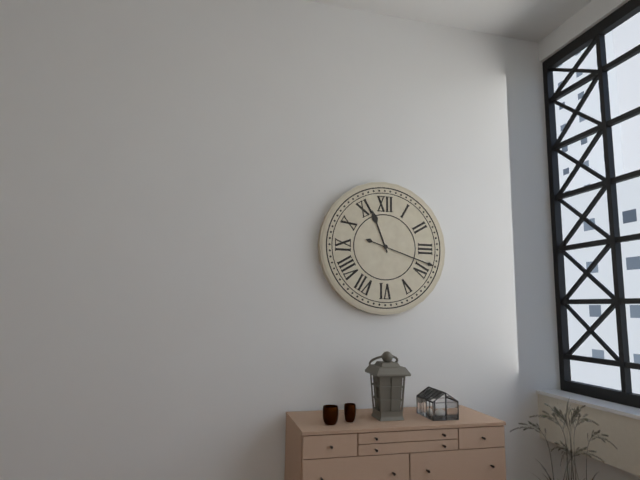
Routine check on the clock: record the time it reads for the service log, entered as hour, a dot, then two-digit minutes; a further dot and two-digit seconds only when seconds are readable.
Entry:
11.18
